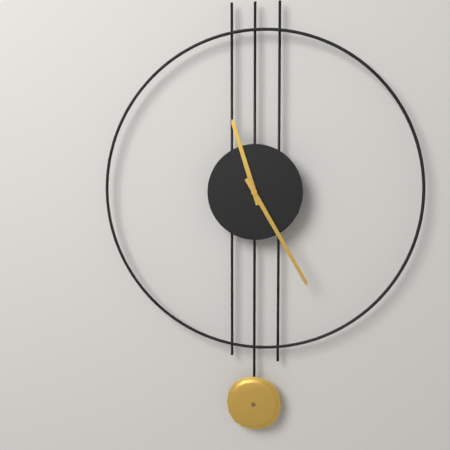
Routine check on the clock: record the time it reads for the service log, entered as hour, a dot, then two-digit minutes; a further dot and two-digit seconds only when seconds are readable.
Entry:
11.25
